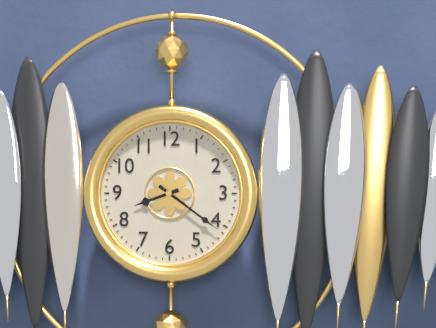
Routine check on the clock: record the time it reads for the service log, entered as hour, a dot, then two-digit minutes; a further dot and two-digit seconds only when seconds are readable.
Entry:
8.21
